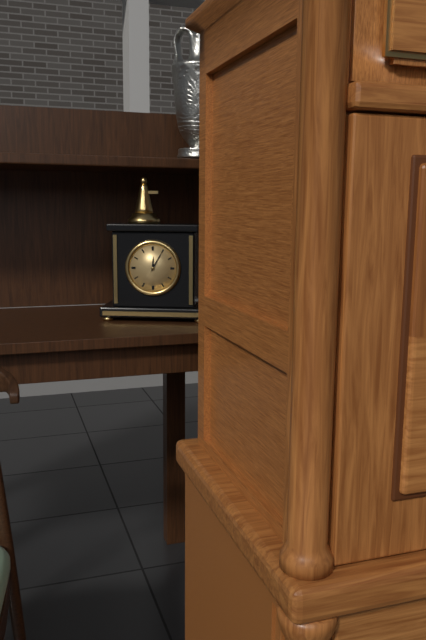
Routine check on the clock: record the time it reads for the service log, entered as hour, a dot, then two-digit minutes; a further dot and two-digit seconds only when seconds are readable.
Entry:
12.05
